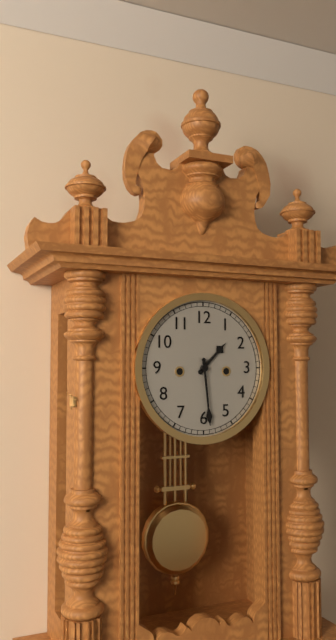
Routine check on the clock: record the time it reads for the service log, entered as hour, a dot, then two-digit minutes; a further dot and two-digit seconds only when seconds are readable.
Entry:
1.29
